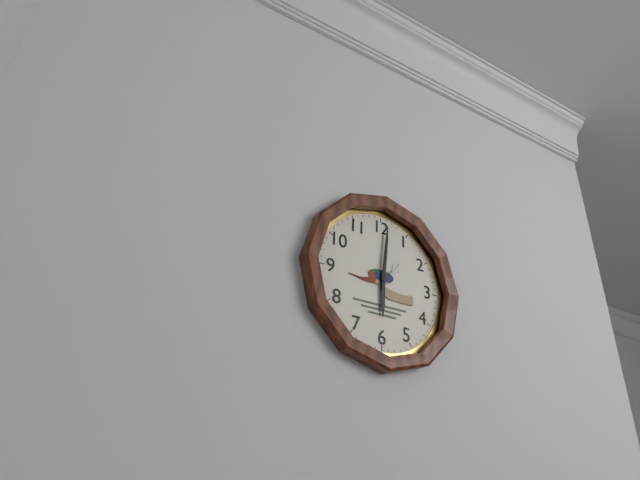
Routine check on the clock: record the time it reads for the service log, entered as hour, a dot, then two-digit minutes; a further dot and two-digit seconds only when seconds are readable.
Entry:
6.01
